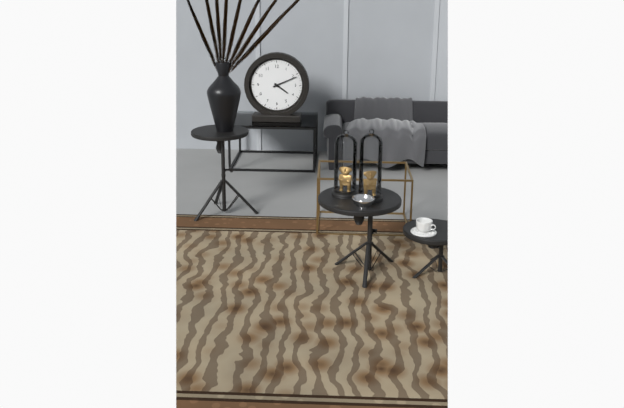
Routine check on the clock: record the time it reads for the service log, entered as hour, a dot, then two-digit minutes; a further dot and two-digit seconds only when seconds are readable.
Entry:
4.11
